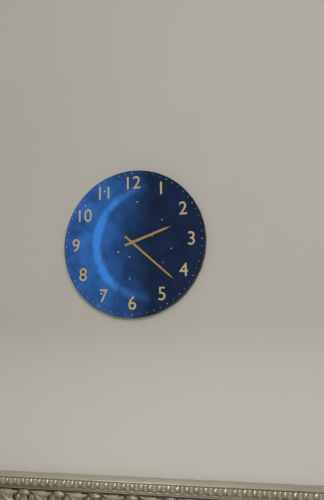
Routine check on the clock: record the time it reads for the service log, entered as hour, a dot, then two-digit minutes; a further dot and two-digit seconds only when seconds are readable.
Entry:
2.22
